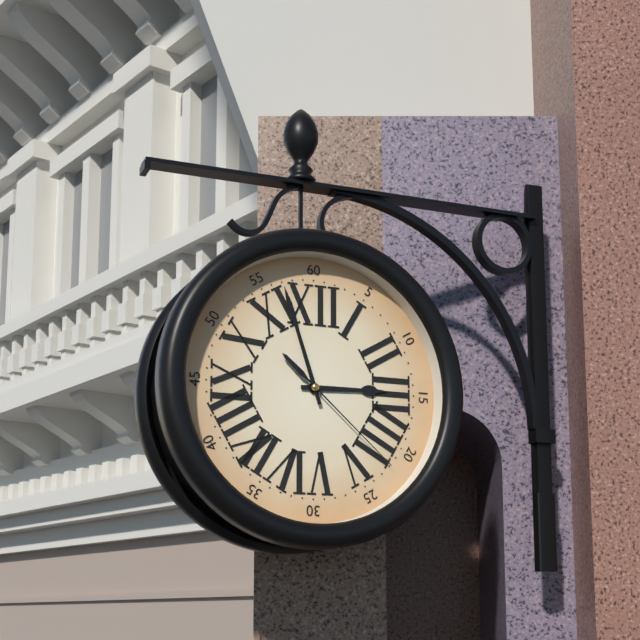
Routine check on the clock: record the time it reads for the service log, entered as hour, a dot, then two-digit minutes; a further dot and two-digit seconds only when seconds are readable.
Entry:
2.57.22
